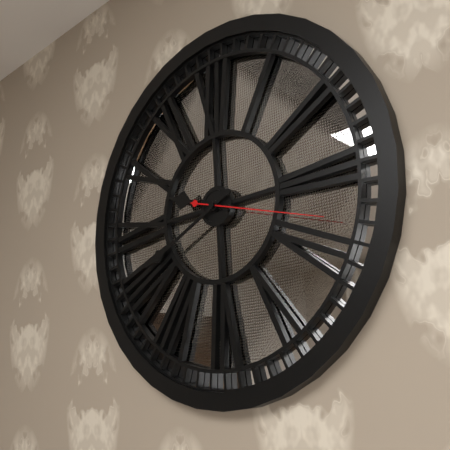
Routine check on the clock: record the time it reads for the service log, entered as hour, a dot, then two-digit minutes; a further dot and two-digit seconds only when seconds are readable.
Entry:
9.41.18
